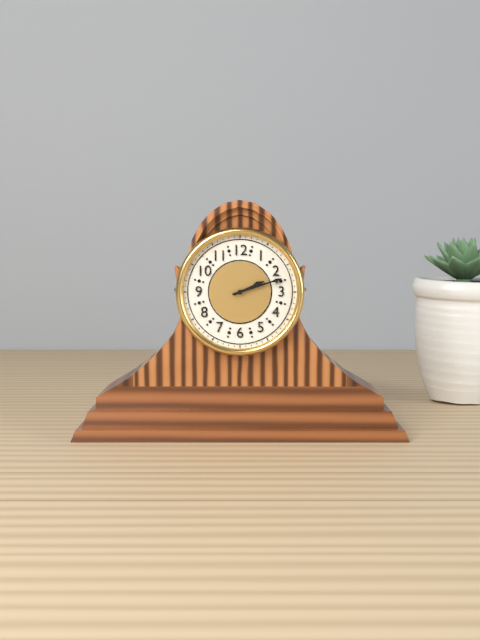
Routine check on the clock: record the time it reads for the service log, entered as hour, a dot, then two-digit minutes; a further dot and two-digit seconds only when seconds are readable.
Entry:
2.12
